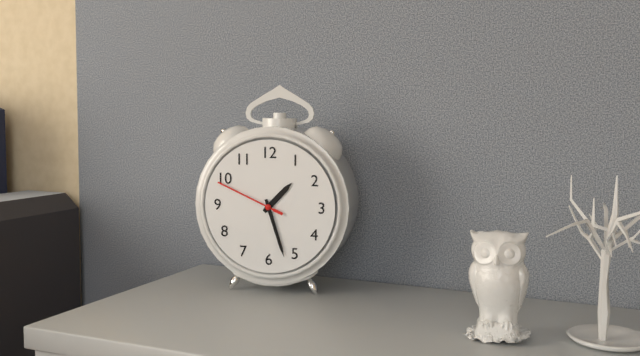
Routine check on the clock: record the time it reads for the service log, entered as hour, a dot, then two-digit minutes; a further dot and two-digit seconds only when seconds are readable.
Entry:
1.27.49
